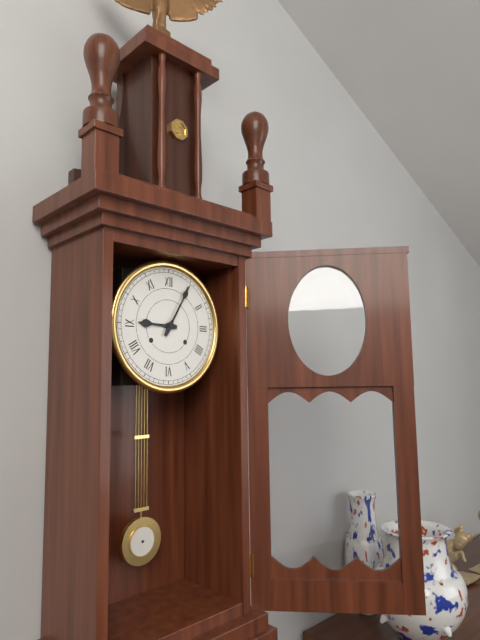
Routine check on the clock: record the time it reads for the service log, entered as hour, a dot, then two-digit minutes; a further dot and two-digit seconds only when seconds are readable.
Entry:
9.05
